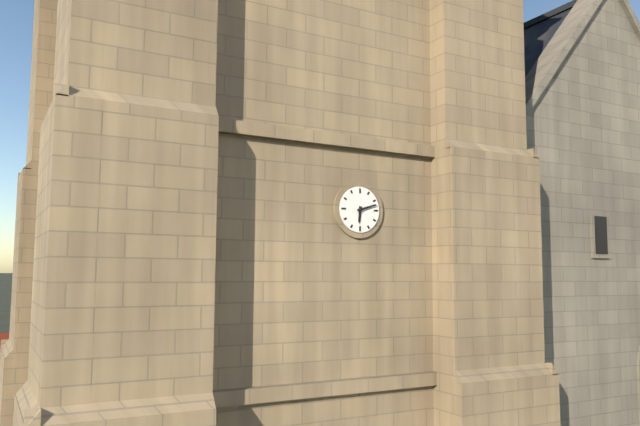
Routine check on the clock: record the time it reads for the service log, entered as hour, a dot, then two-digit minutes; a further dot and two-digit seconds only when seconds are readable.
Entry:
6.12
